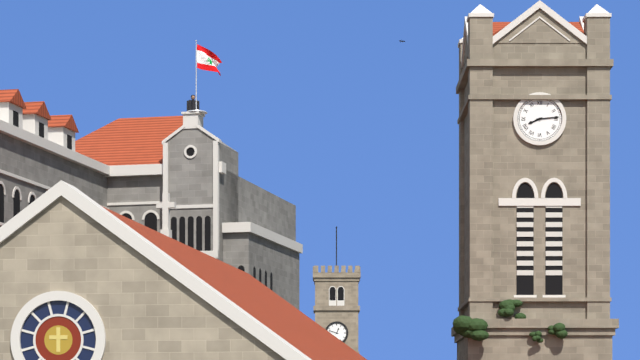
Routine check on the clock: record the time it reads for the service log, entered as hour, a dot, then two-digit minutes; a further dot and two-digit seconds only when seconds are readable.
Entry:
8.14
